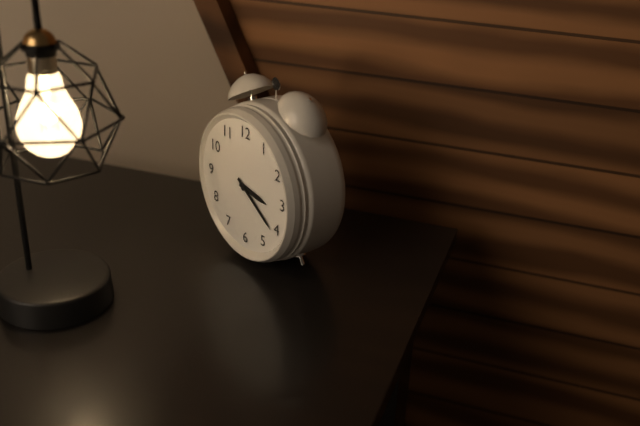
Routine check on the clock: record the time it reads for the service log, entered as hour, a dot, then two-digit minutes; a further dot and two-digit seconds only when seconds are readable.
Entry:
3.21
